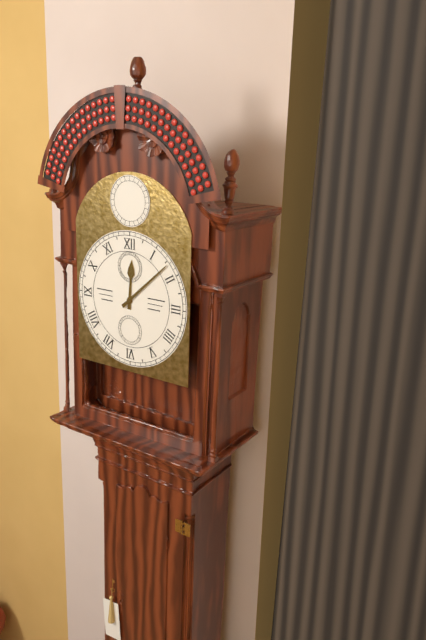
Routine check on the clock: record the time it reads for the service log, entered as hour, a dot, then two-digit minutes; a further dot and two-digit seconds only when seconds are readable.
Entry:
12.08
